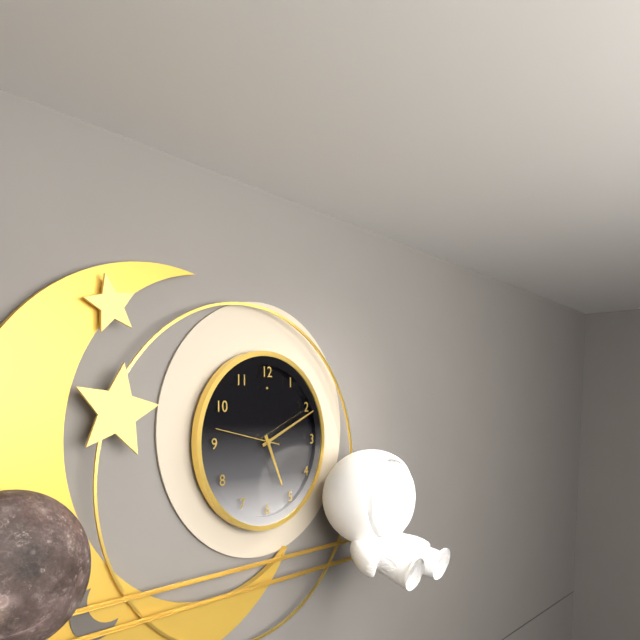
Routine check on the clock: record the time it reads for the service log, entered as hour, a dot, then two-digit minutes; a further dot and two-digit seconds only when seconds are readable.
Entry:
5.11.47
